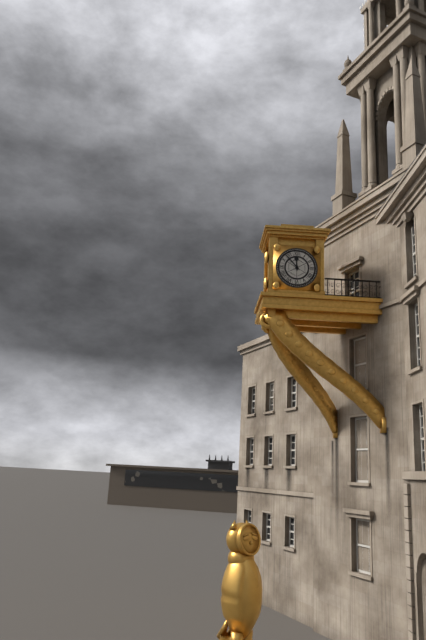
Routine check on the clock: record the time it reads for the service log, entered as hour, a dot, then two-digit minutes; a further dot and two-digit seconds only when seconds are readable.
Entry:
11.53
